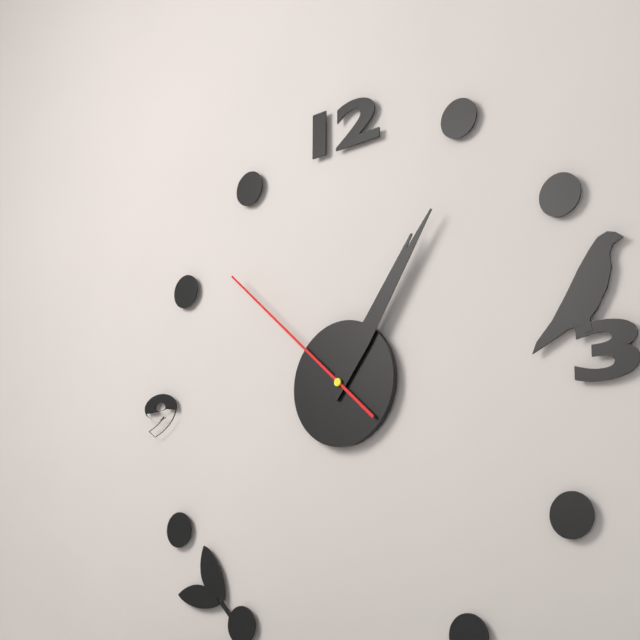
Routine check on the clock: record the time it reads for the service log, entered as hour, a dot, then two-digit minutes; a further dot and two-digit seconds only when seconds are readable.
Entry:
1.06.52
